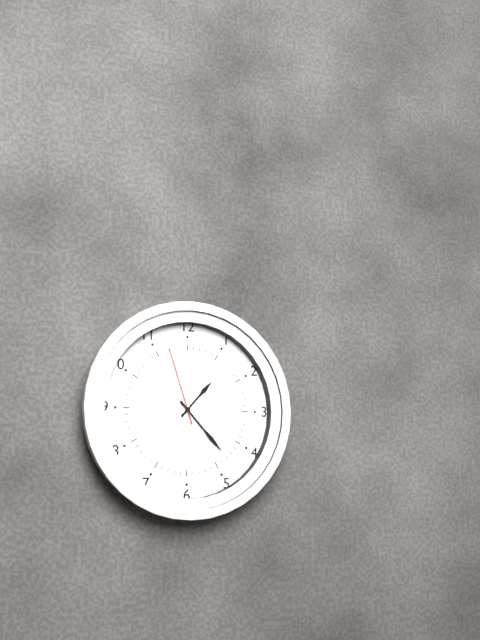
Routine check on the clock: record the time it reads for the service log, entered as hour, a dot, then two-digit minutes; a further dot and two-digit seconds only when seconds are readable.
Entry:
1.23.57
